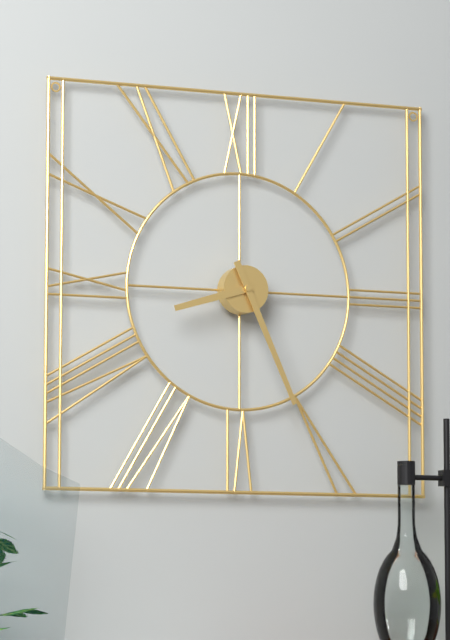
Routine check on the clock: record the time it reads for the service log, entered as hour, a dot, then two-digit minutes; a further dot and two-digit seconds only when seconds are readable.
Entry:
8.26
